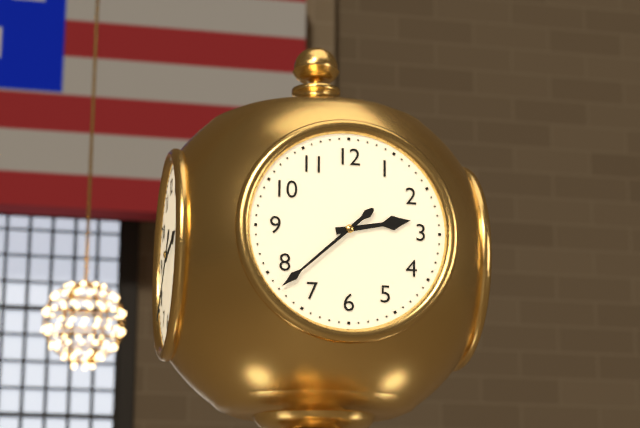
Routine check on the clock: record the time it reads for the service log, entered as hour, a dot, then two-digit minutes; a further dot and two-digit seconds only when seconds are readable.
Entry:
2.38
